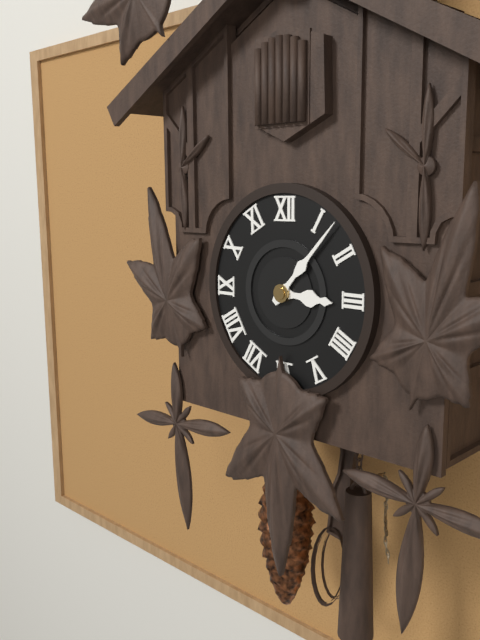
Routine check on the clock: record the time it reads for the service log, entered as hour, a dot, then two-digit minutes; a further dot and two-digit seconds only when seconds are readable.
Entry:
3.07
